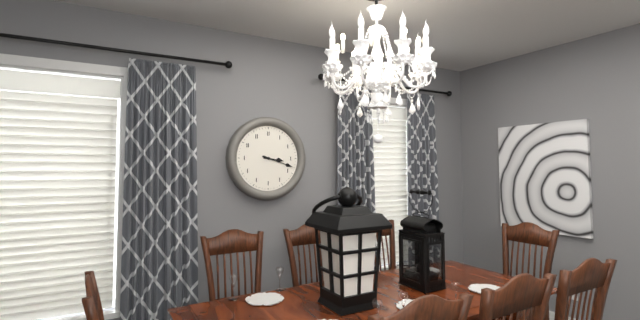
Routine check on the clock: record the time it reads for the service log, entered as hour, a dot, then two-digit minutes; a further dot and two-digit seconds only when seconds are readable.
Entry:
3.18
